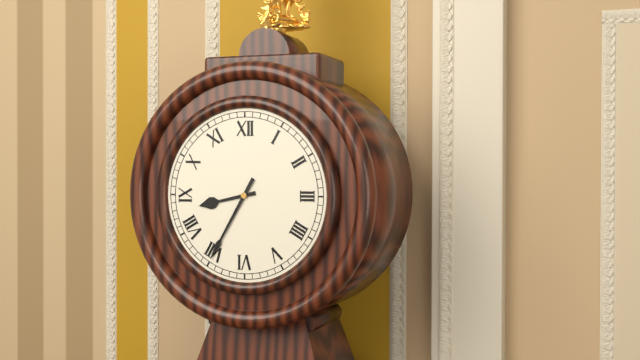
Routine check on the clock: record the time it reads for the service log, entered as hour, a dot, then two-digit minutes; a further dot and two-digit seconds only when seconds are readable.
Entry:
8.35
